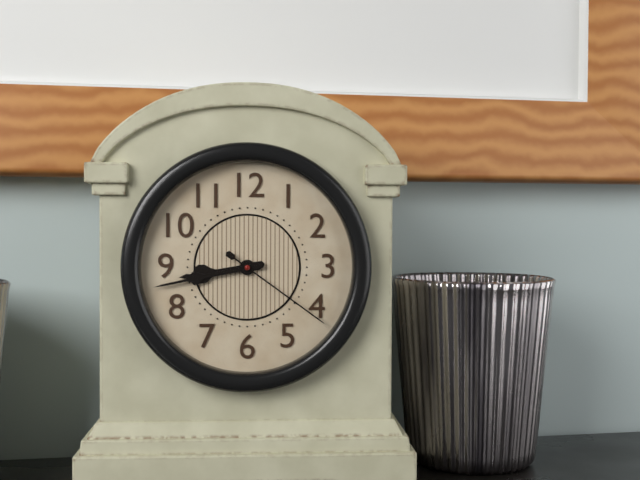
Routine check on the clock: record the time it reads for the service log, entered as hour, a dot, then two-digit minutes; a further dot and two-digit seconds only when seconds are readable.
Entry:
8.43.21
